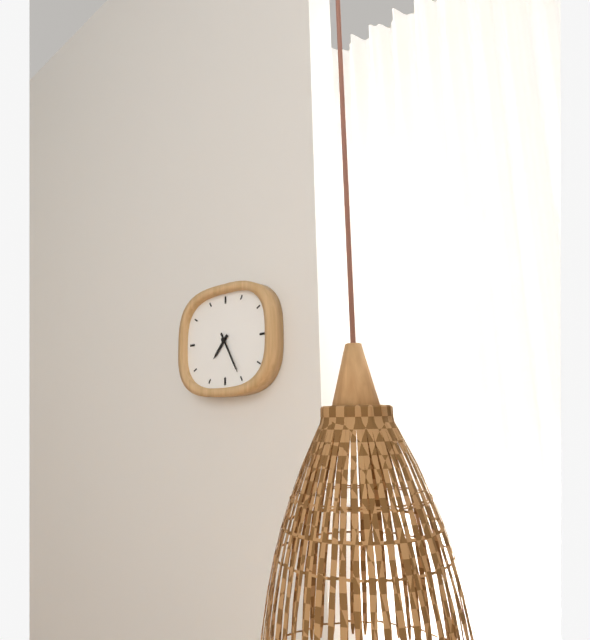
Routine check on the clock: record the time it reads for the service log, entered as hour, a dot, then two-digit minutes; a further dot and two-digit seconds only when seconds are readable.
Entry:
7.25
